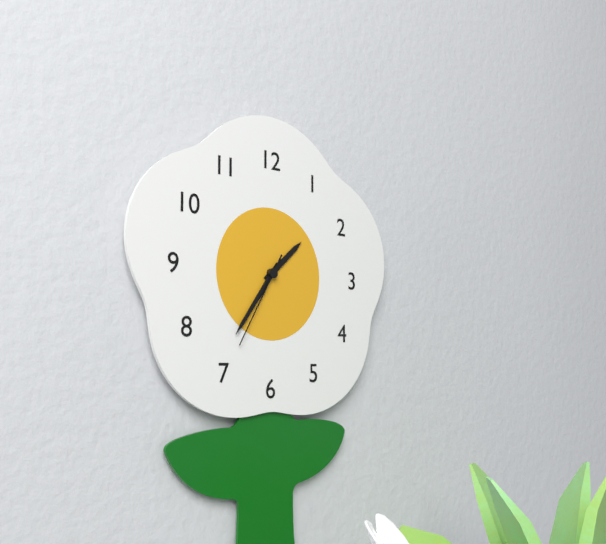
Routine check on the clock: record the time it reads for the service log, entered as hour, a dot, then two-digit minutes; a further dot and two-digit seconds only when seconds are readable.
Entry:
1.36.35
